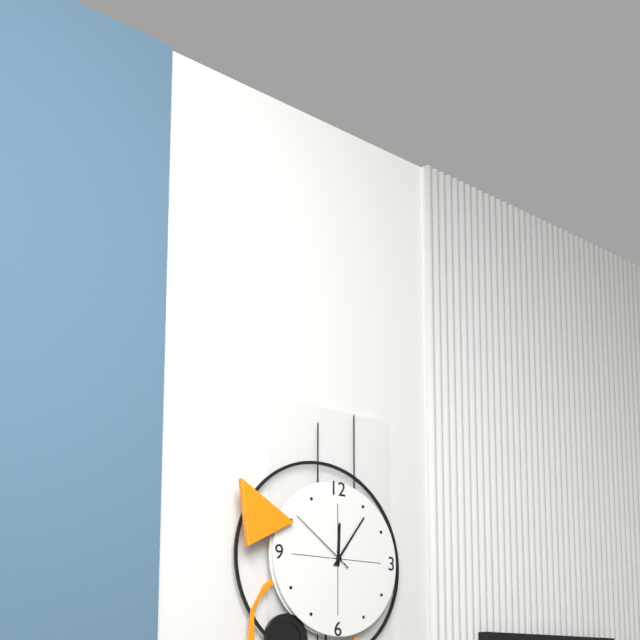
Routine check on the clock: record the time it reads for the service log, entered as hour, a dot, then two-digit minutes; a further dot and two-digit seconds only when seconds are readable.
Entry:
12.06.51
